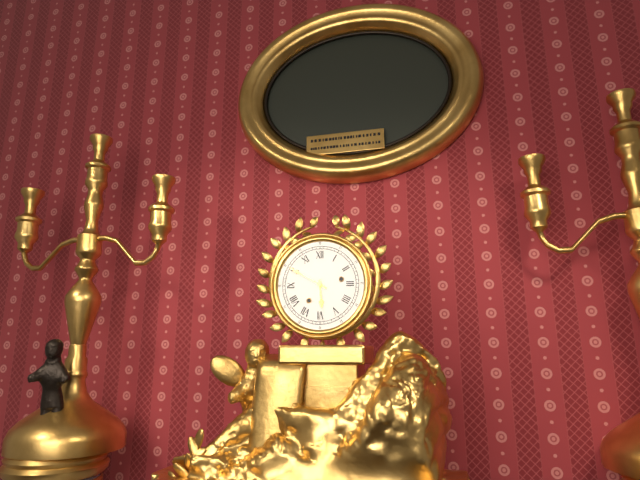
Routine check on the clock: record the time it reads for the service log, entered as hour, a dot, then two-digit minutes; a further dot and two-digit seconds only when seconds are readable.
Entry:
5.50
